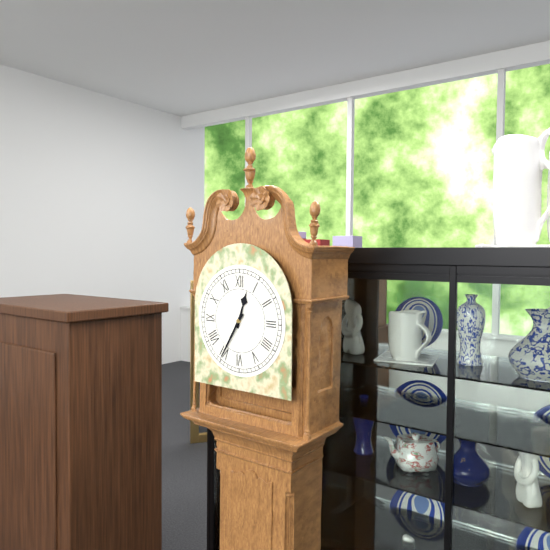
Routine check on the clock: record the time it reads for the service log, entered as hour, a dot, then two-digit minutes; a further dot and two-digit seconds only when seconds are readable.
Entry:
12.35
